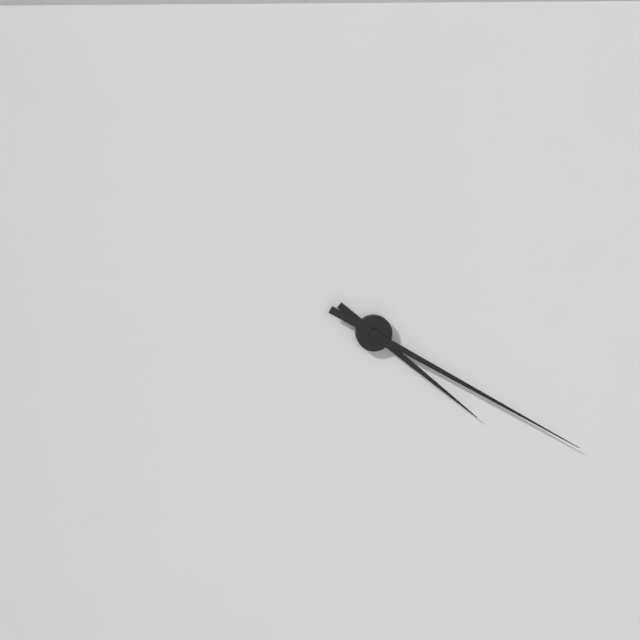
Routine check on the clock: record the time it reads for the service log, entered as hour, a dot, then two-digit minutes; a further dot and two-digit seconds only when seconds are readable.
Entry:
4.20
